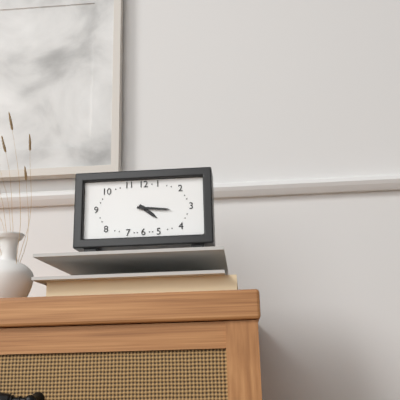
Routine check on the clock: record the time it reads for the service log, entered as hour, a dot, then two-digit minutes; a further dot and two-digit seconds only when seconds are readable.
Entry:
4.16
